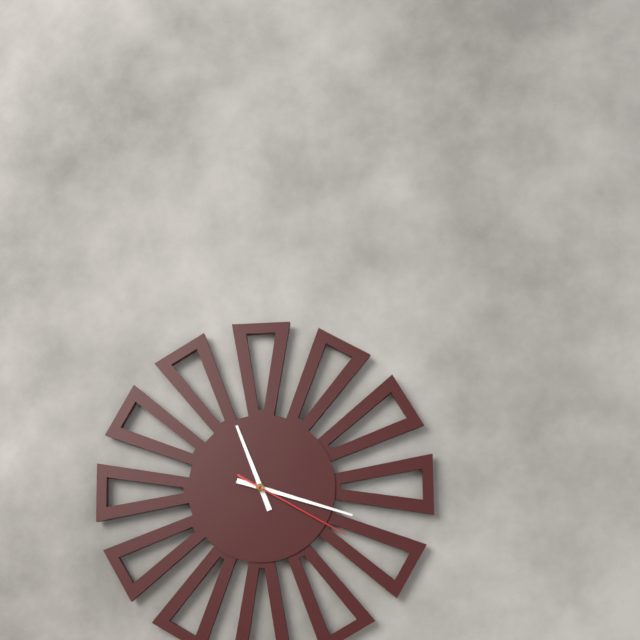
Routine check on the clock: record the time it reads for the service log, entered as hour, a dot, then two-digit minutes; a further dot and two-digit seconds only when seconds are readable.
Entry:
11.18.20
